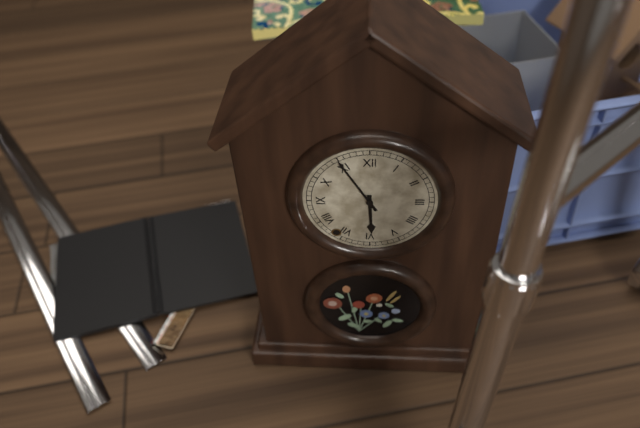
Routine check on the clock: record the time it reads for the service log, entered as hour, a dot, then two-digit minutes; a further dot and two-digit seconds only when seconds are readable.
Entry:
5.55
